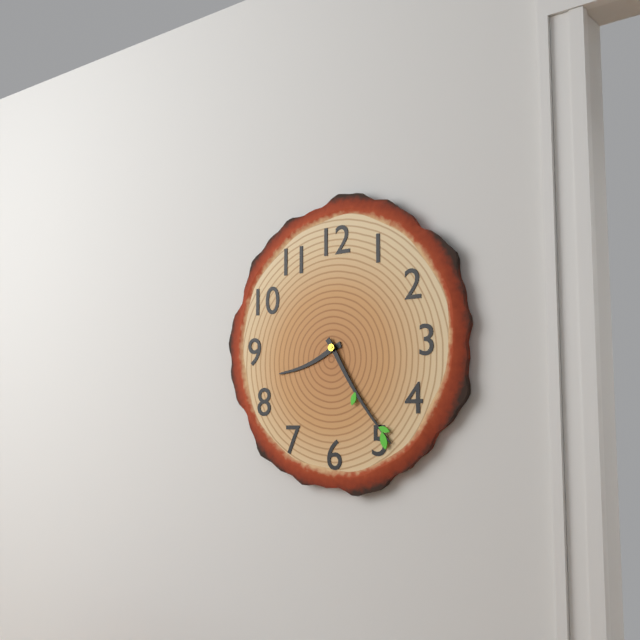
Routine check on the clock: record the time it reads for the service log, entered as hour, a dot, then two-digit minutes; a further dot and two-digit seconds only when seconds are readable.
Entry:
8.24
